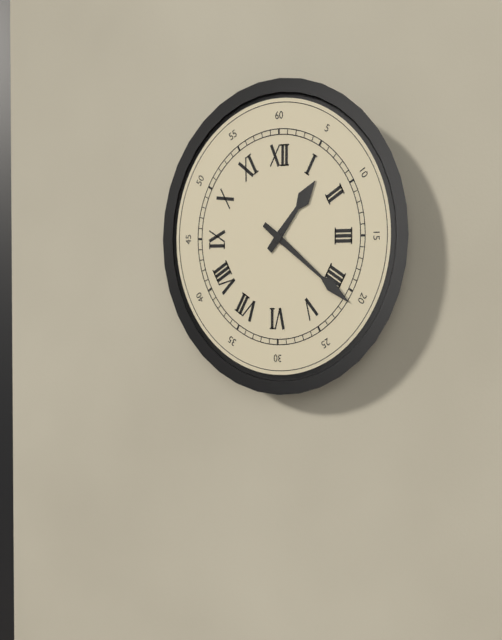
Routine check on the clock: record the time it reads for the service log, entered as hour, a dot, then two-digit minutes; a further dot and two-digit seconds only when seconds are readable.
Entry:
1.21
